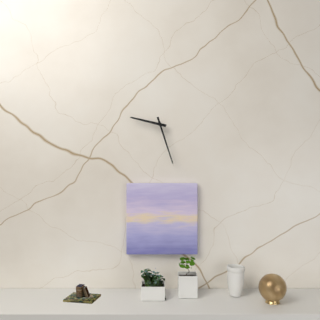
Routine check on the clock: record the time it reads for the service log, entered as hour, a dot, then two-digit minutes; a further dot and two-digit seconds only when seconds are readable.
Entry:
9.27
